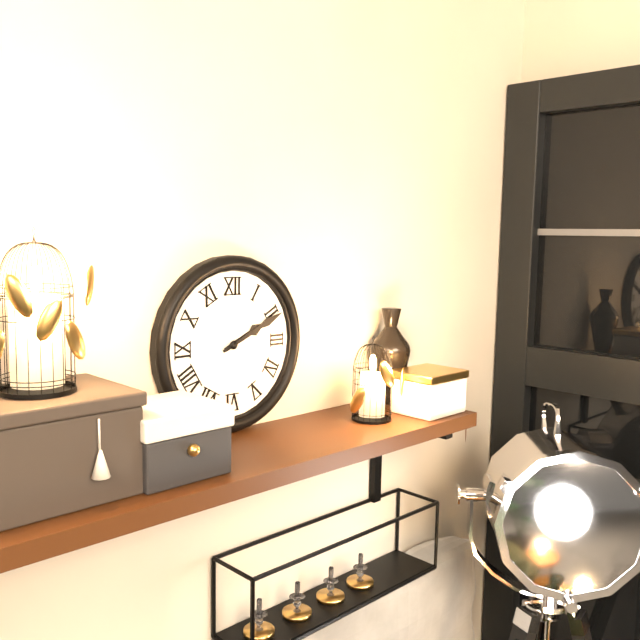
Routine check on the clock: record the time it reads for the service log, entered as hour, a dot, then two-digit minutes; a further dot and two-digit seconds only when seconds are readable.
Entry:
2.11
